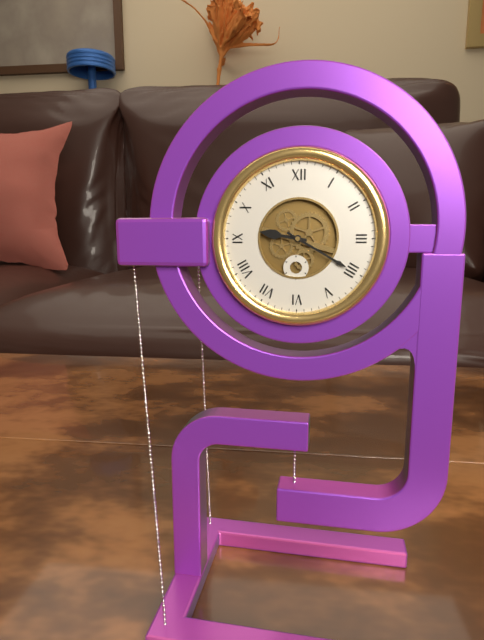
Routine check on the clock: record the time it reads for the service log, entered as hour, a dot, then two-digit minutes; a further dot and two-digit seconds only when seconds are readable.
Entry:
9.20
